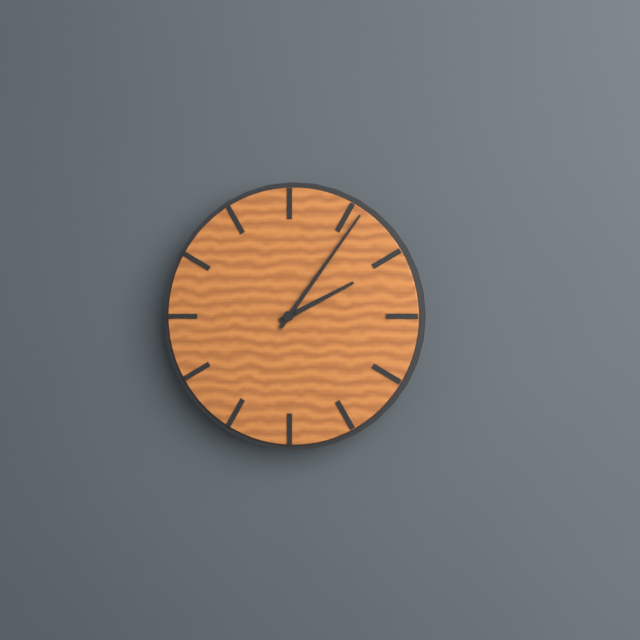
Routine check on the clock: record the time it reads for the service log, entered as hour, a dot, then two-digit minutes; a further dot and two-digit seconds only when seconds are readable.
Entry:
2.06
